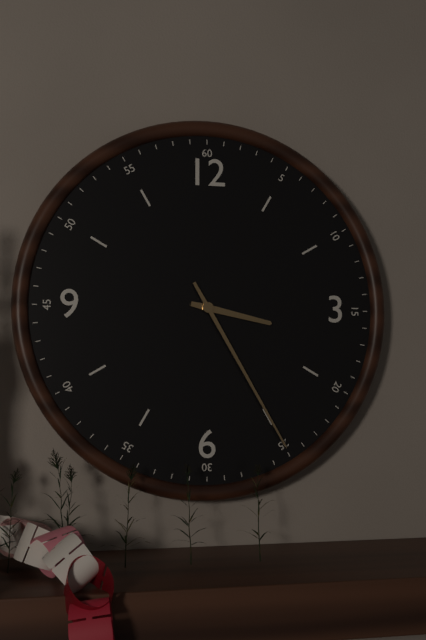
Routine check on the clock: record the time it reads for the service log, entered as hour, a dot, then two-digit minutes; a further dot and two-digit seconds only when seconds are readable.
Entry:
3.25
